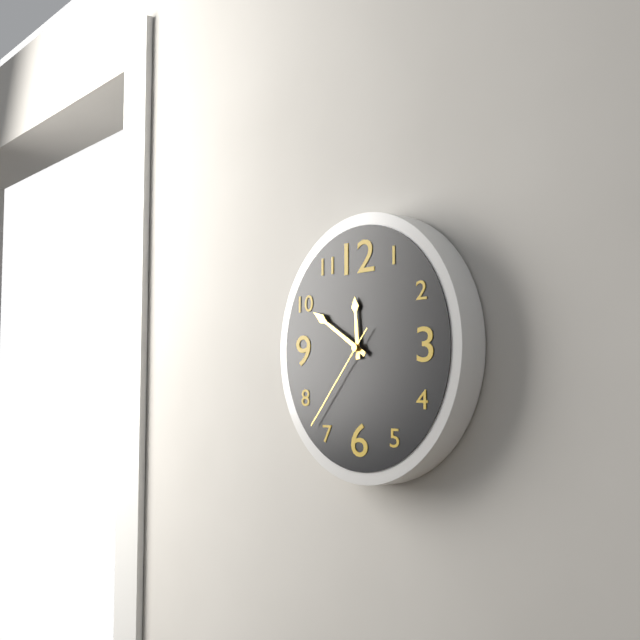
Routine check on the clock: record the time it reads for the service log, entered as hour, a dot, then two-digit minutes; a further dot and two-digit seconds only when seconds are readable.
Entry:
11.50.37
